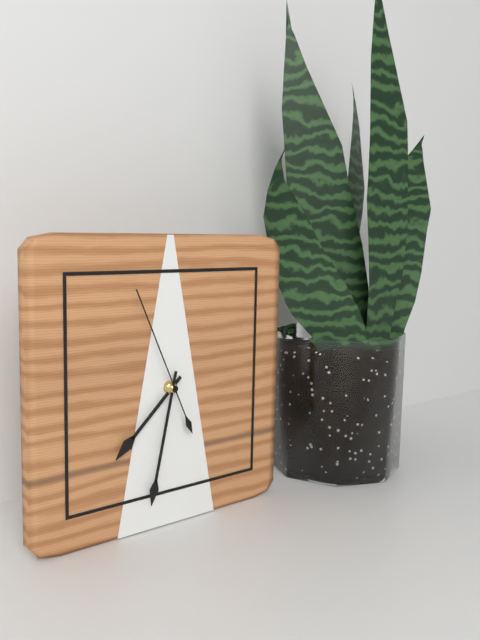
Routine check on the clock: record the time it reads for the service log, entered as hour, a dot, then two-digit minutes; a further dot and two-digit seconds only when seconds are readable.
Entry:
7.32.56
